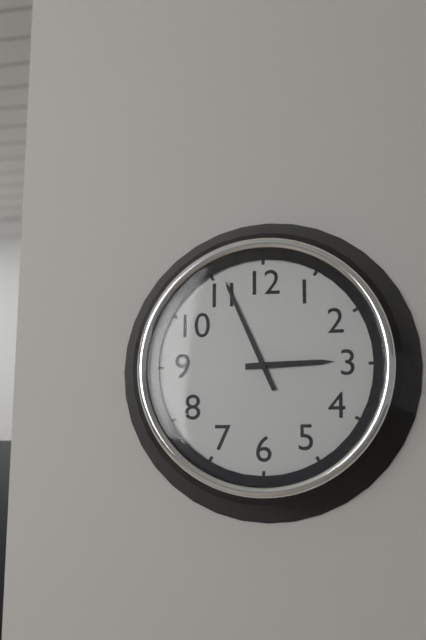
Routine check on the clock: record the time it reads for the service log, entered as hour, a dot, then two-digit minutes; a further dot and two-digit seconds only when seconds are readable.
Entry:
2.56
